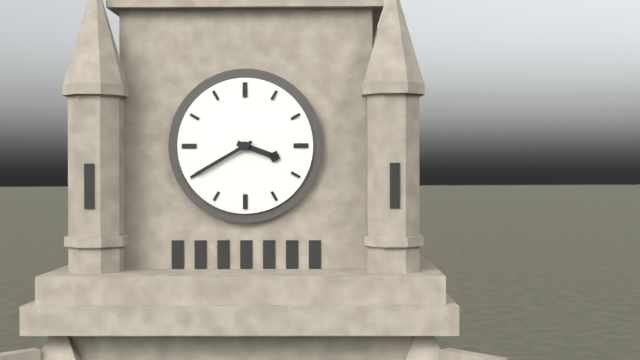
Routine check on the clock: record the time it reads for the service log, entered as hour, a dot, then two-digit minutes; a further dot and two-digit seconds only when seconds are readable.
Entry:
3.40
